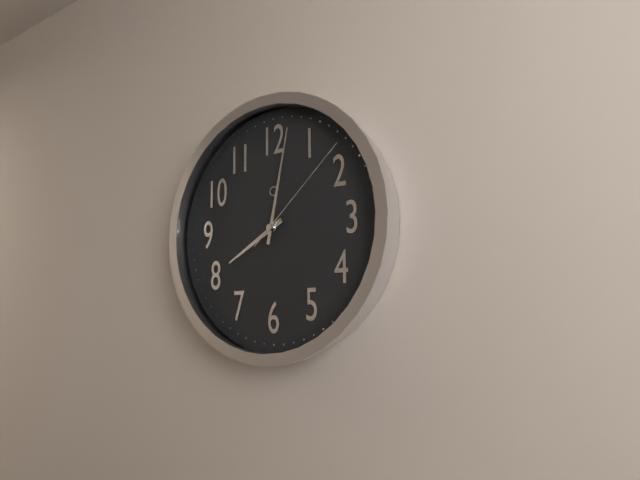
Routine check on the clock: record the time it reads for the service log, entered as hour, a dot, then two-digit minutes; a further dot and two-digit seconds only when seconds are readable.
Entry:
8.02.08
